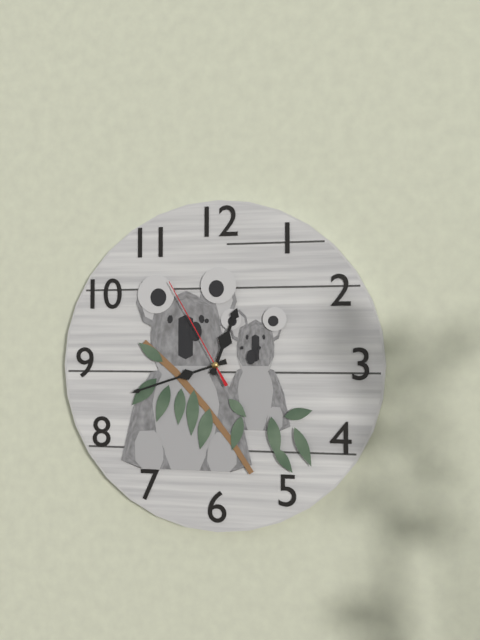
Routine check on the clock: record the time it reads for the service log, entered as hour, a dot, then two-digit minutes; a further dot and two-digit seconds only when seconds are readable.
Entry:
12.42.55
